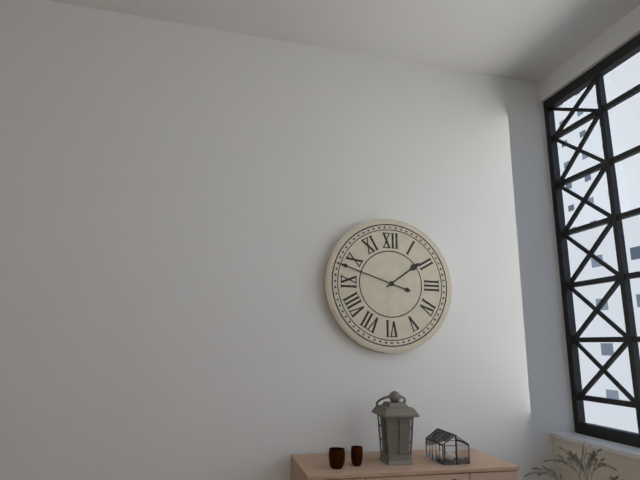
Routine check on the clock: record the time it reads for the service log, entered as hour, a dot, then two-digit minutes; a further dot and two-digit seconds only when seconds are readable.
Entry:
1.48
